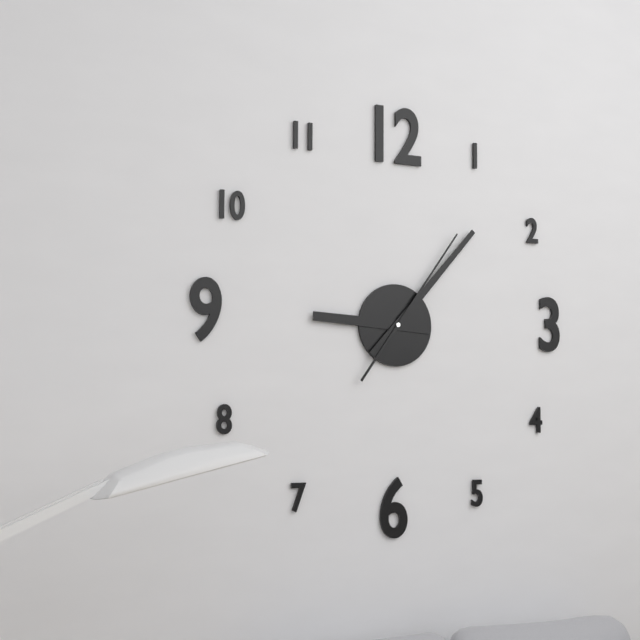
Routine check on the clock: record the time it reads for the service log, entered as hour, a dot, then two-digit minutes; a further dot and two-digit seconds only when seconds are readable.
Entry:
9.07.06
